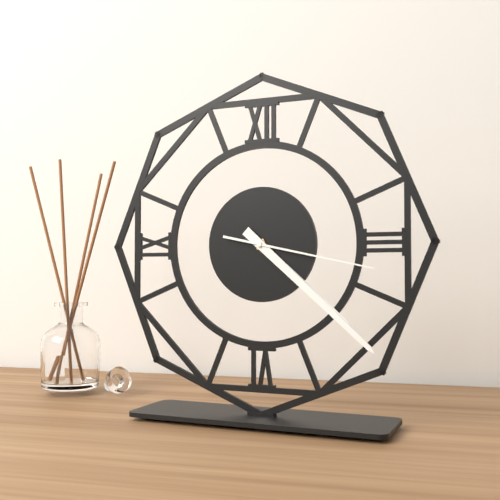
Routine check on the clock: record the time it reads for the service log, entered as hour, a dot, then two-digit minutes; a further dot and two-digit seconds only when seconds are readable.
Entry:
4.22.17
